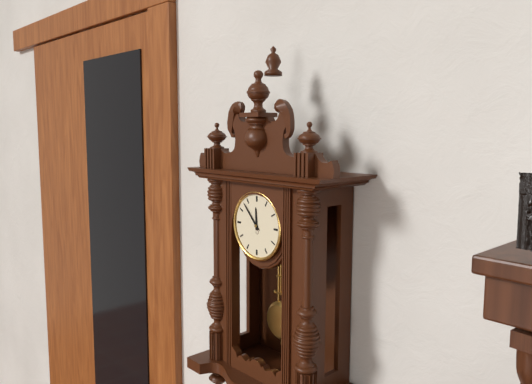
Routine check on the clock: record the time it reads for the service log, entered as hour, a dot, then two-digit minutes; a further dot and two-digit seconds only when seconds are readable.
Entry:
11.53
